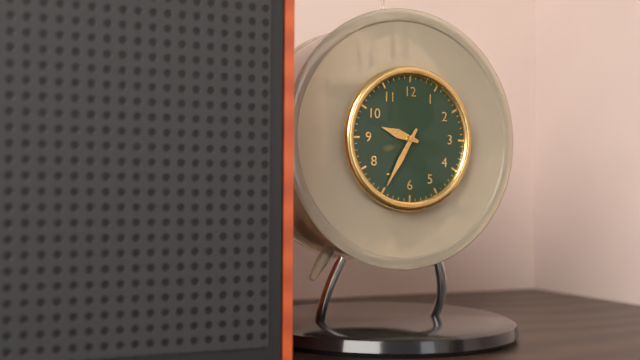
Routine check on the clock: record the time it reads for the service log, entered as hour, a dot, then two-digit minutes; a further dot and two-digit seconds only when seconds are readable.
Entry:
9.35
